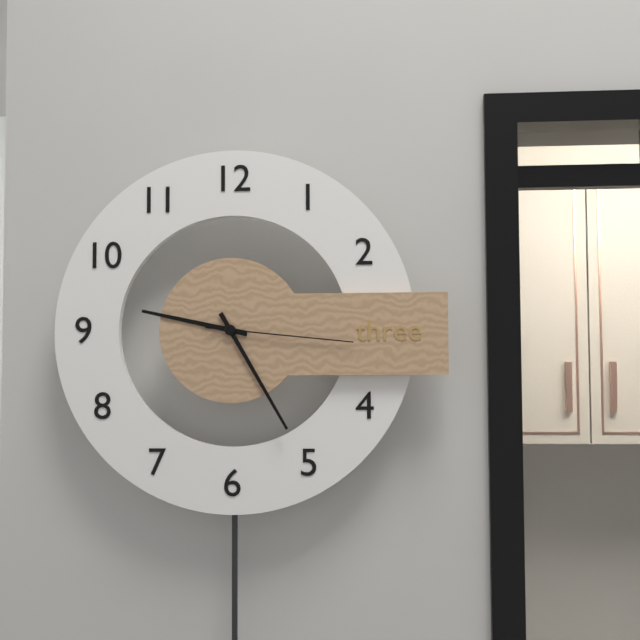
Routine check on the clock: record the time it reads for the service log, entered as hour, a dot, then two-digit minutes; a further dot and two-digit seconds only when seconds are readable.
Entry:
9.25.16
